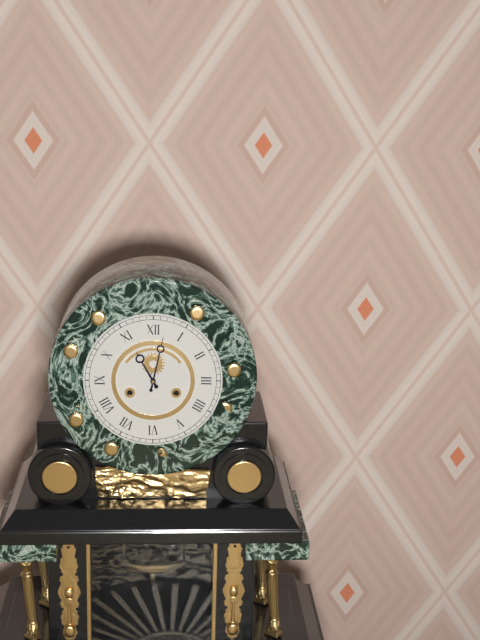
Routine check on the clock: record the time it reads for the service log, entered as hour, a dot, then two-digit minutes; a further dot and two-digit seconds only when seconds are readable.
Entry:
11.02
